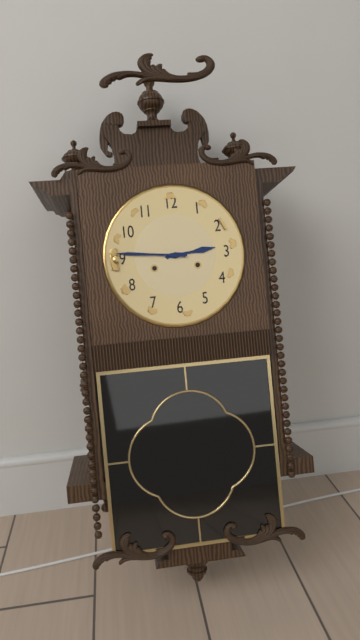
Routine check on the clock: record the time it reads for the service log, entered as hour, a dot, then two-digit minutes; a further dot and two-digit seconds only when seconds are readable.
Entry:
2.46
